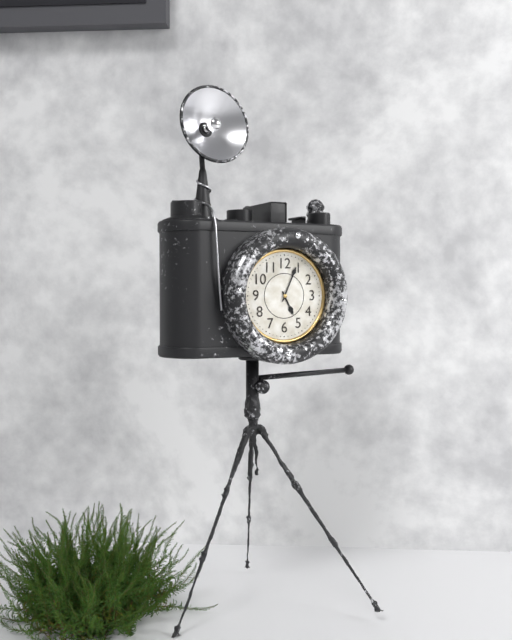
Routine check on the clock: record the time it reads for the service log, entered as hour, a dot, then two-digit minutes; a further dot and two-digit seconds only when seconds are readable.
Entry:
5.04
